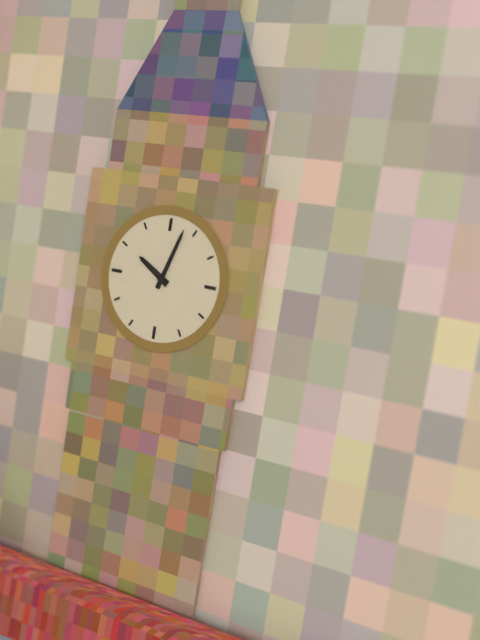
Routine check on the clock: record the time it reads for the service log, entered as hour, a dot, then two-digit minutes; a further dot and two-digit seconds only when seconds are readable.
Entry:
10.03
